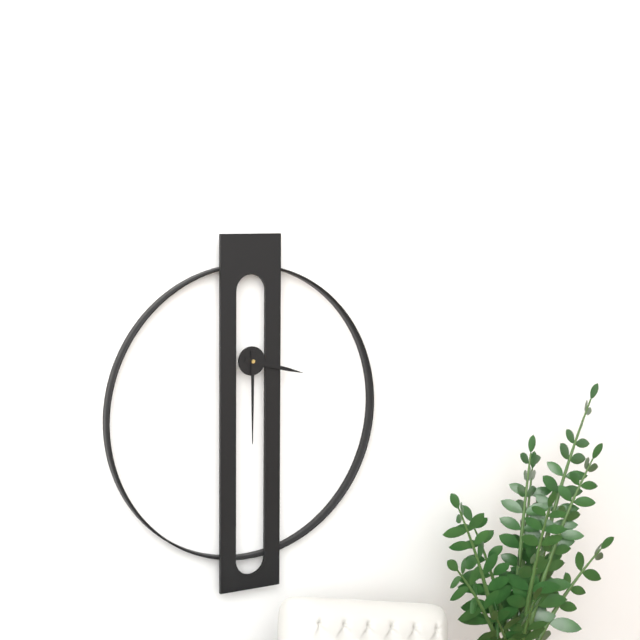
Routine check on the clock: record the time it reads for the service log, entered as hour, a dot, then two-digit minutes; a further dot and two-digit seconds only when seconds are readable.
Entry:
3.30
